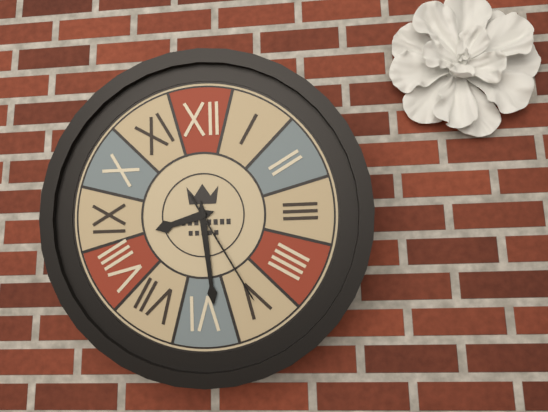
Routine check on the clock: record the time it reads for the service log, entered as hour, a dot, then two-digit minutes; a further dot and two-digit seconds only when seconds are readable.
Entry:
8.29.25
